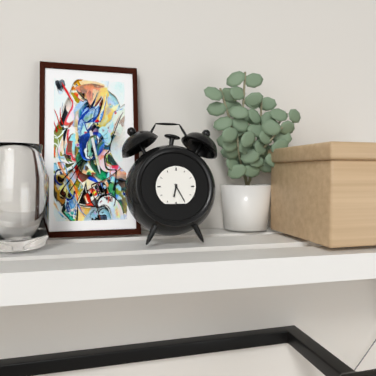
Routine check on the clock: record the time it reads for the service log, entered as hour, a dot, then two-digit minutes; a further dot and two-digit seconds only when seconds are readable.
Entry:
6.25
